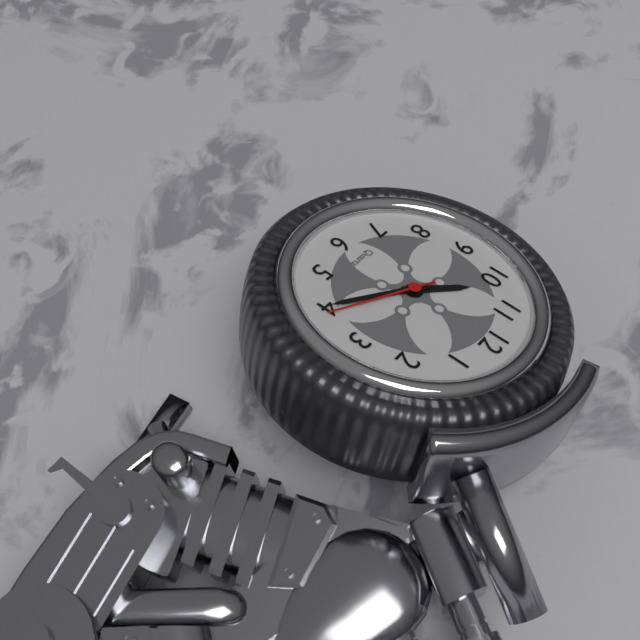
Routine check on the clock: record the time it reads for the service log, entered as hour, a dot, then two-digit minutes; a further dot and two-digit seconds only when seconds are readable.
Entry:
10.20.19
